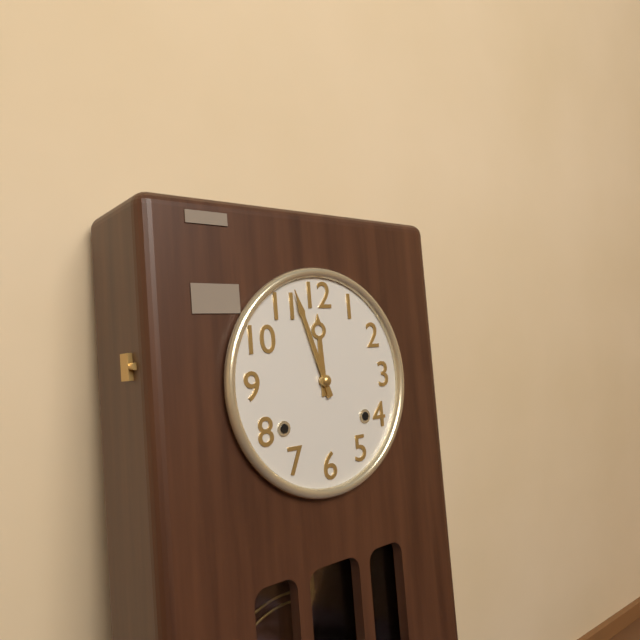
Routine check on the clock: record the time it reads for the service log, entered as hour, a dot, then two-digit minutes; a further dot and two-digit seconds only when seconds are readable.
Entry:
11.57
